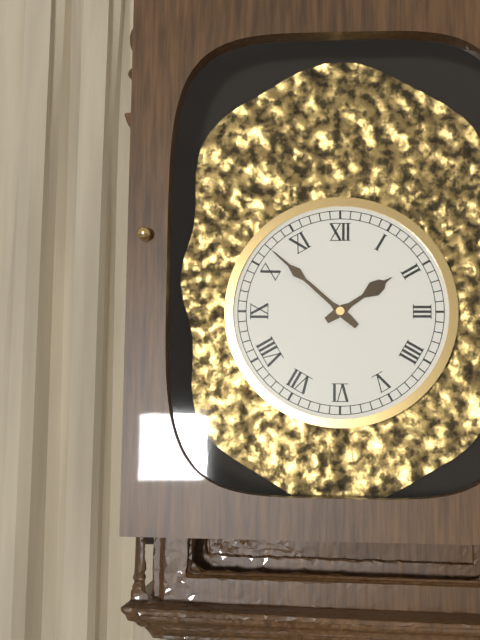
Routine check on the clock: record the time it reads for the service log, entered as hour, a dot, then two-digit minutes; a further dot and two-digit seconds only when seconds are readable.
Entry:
1.52
